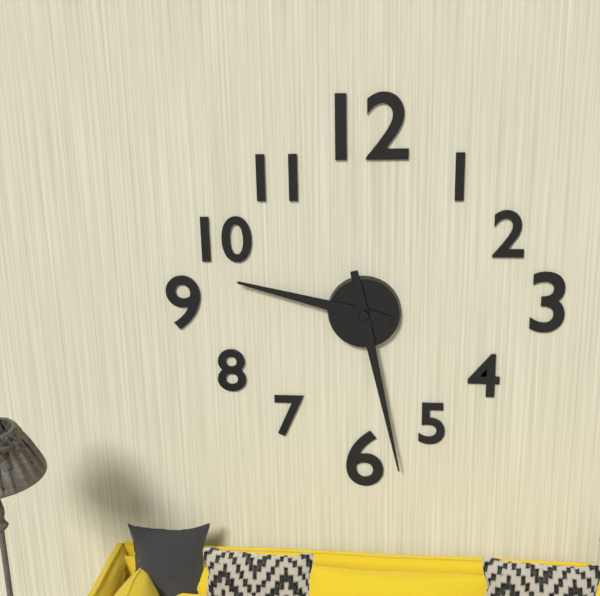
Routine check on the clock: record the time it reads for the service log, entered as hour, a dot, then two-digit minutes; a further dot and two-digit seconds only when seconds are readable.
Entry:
9.28
